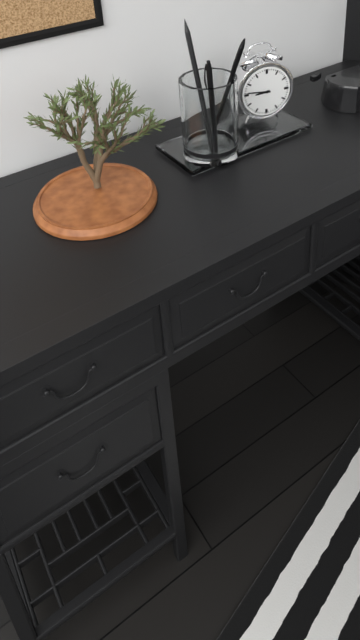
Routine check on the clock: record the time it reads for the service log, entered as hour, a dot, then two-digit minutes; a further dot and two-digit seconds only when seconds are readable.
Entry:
8.46
